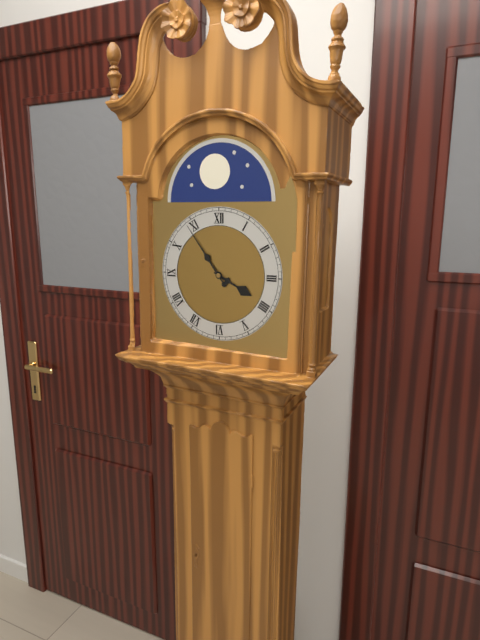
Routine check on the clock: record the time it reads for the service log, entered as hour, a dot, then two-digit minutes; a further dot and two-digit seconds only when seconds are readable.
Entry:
3.54
